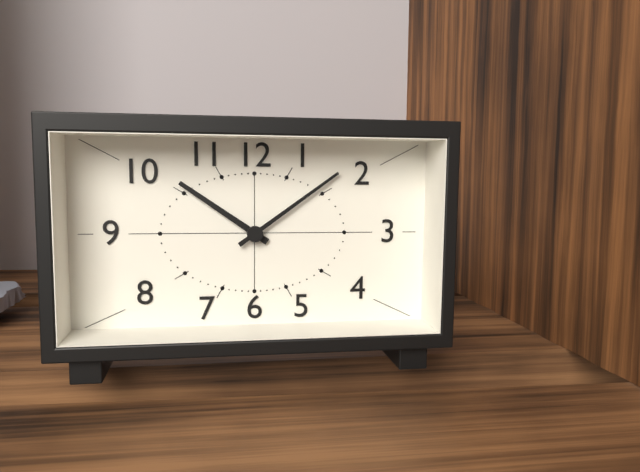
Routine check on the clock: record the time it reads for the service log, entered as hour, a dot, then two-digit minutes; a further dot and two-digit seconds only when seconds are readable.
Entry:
10.09
